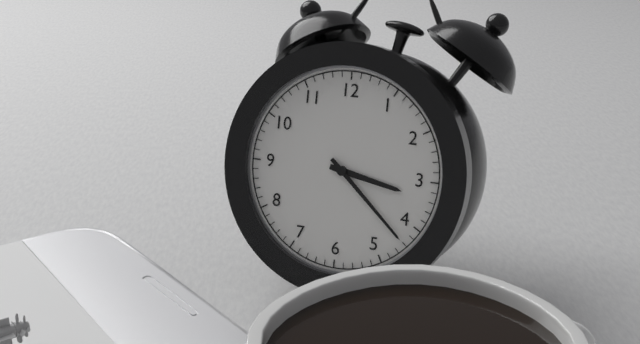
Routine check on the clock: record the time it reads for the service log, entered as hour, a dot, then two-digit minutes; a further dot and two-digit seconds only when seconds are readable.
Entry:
3.22
